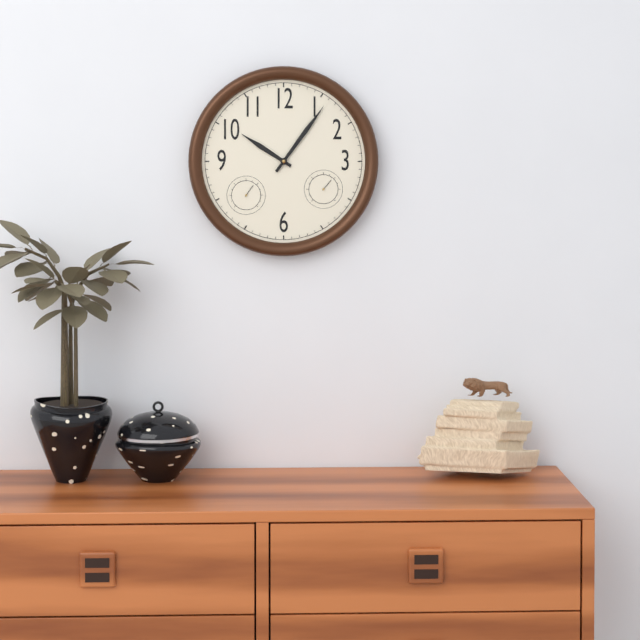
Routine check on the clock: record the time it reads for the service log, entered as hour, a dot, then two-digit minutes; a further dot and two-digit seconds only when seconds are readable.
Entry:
10.06
